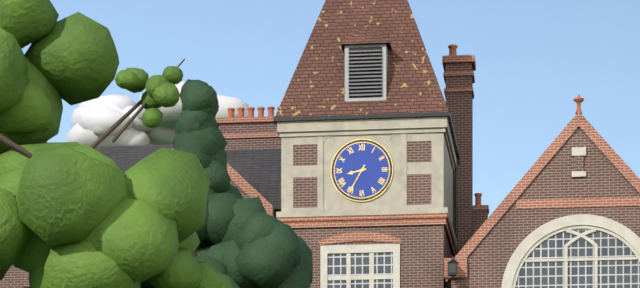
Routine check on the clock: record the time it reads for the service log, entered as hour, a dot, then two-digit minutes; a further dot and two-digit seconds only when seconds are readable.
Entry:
8.35
